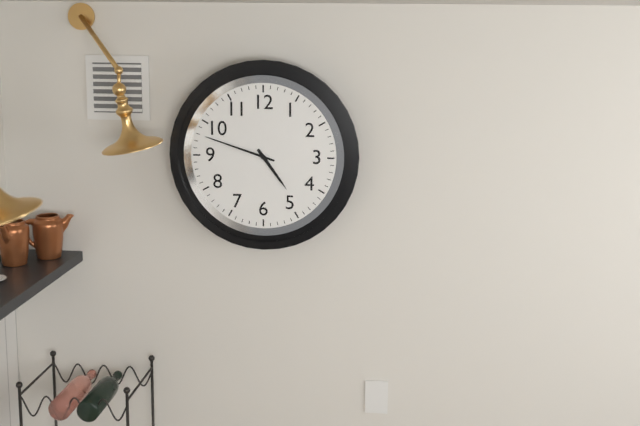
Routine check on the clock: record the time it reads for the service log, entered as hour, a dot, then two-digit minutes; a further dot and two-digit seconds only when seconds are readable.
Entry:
4.48
